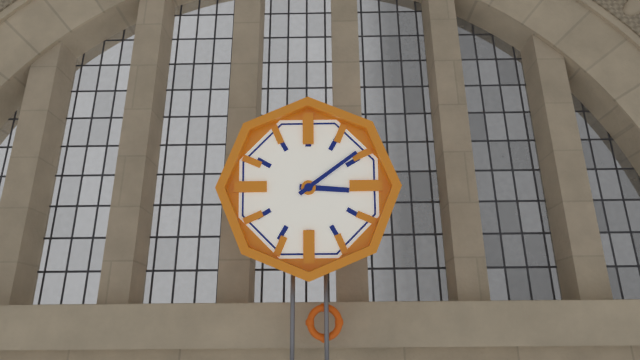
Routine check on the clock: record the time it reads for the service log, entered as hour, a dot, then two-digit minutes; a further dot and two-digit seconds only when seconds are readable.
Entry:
3.09
